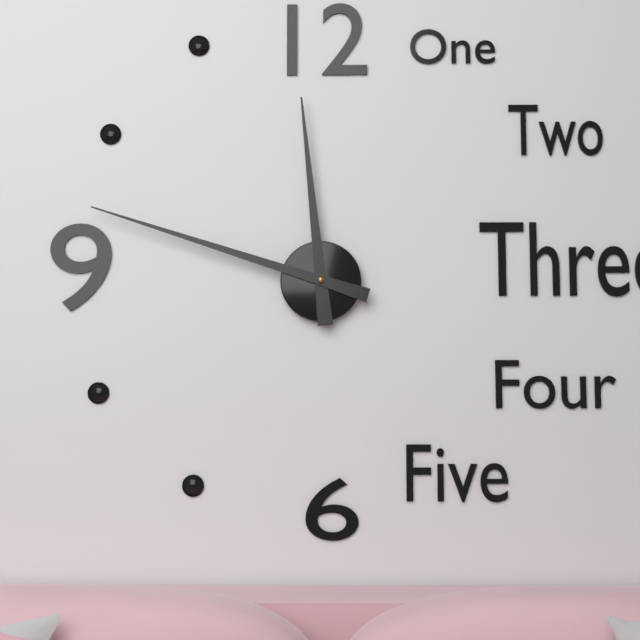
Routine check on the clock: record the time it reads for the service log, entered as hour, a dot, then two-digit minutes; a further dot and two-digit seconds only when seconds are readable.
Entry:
11.48
